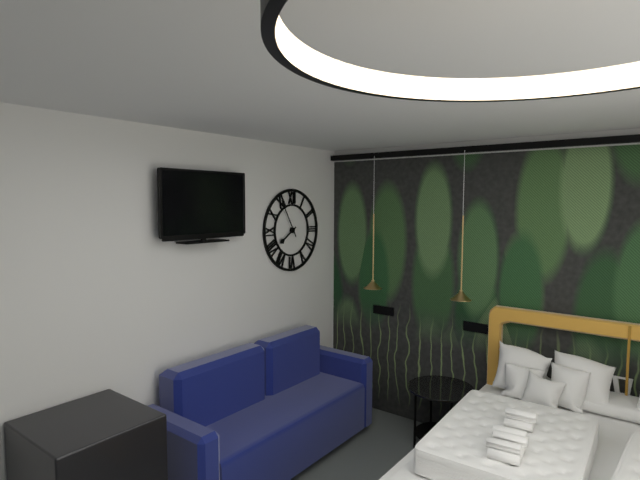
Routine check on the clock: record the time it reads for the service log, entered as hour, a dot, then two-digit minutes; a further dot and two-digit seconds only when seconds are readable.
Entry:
7.55
